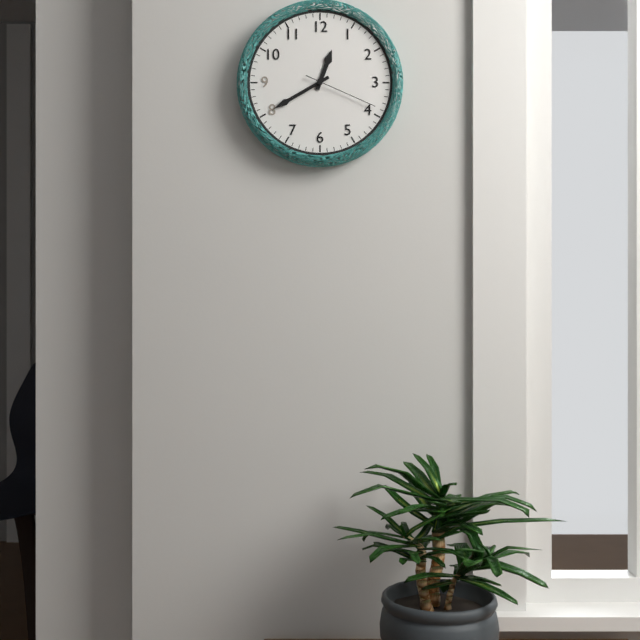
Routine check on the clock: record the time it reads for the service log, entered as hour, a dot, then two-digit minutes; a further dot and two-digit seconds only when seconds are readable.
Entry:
12.40.19
